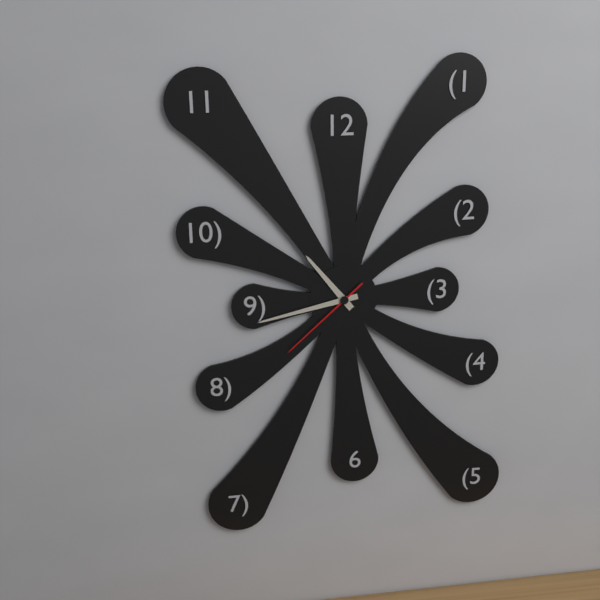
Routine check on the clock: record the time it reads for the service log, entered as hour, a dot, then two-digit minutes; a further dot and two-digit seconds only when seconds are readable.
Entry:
10.43.38
